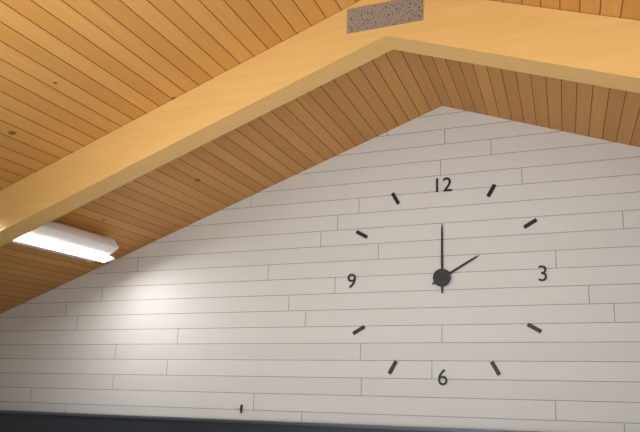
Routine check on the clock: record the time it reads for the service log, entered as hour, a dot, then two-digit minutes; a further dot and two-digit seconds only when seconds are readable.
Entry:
2.00
